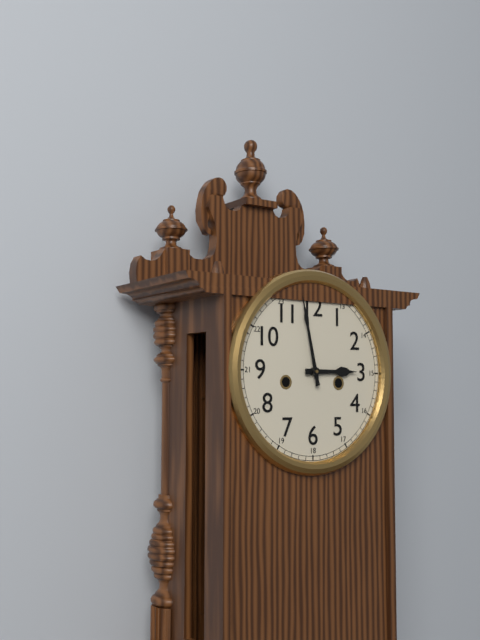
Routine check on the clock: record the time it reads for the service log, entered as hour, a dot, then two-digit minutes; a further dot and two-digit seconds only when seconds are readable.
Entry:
2.58
